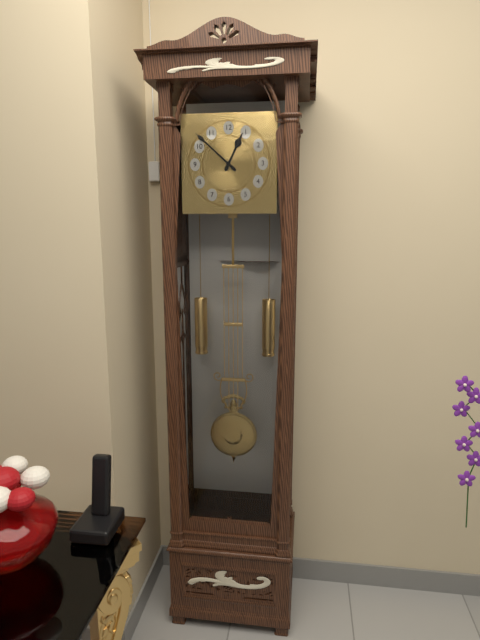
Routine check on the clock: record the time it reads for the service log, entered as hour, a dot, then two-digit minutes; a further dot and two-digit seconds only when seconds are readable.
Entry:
12.52
